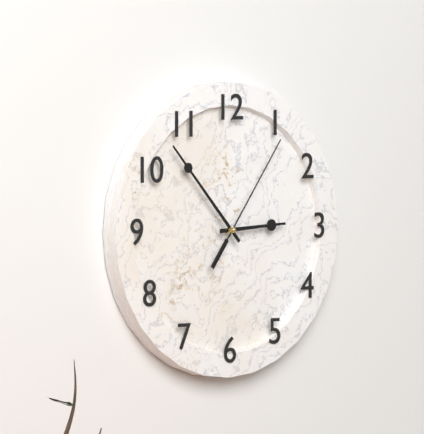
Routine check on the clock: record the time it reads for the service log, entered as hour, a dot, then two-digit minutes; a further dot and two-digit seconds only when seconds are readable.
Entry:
2.53.06
